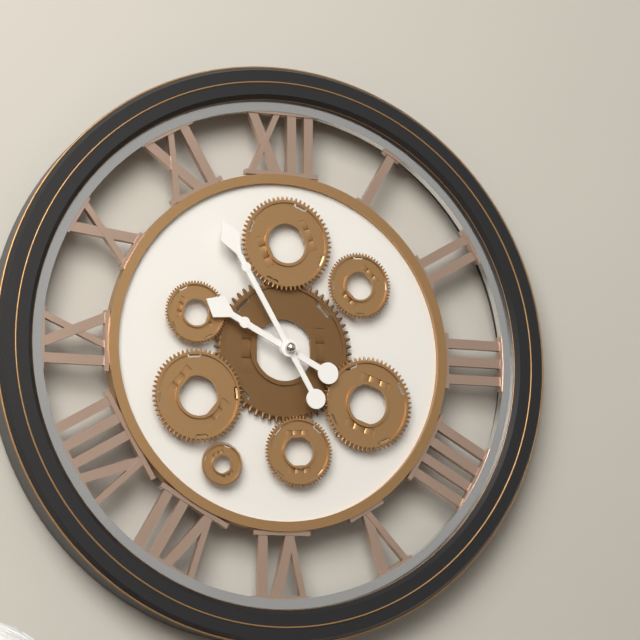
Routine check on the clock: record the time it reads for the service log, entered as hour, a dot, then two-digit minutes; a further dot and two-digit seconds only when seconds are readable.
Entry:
9.55
